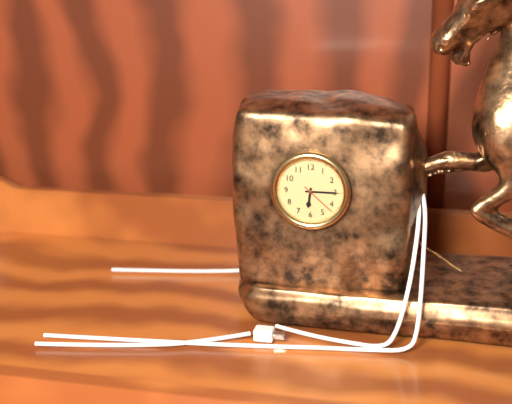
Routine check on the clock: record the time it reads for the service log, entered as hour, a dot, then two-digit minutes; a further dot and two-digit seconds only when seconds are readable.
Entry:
6.15
